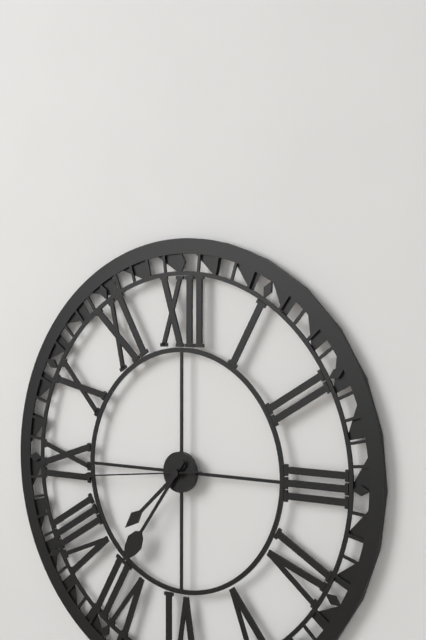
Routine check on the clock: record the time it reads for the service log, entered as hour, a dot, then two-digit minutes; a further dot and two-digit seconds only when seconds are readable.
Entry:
7.36.44
